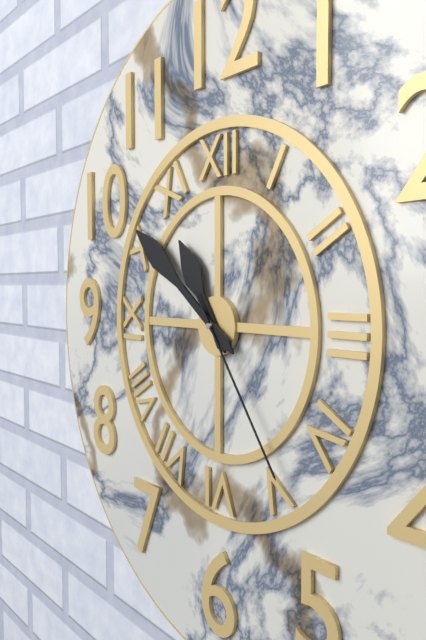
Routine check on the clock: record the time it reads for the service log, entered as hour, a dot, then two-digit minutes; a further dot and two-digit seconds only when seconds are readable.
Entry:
10.51.24
